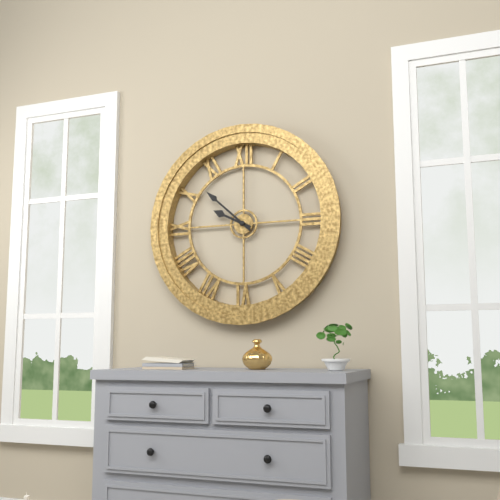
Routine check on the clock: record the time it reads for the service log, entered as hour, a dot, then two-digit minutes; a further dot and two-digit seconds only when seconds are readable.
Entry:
9.52
